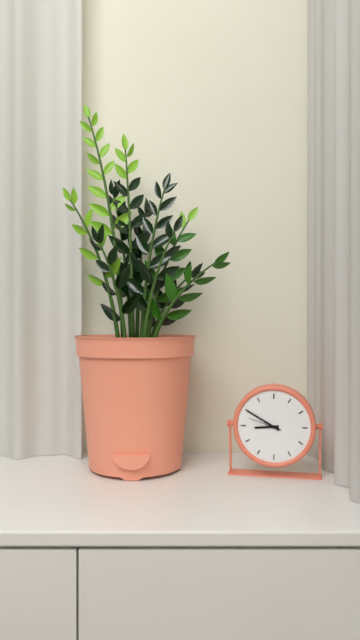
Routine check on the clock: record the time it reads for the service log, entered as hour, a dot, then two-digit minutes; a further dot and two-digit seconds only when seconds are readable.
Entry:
8.50
